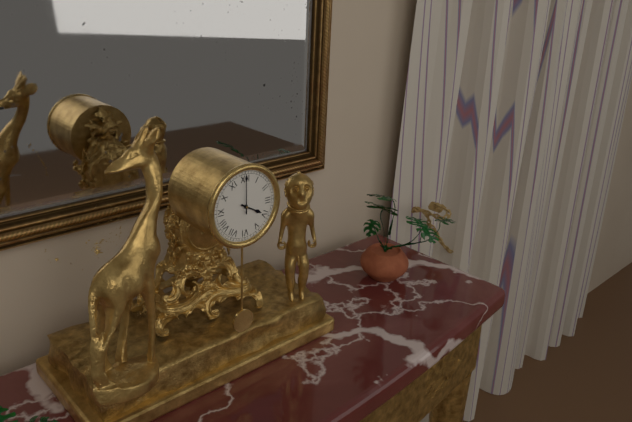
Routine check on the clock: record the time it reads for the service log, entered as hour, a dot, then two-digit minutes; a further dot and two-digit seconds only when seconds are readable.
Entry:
4.00
